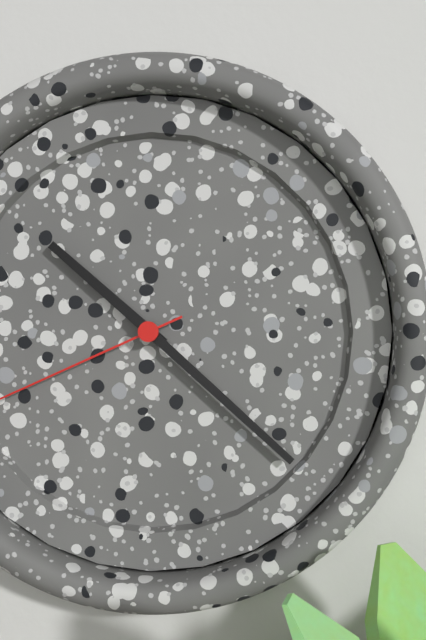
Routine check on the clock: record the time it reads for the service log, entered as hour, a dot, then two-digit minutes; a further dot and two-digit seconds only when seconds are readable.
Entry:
10.22
